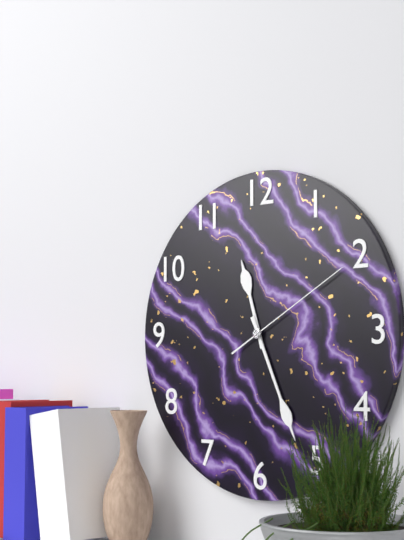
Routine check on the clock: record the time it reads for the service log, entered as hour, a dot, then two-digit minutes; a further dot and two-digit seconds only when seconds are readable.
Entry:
11.26.10
